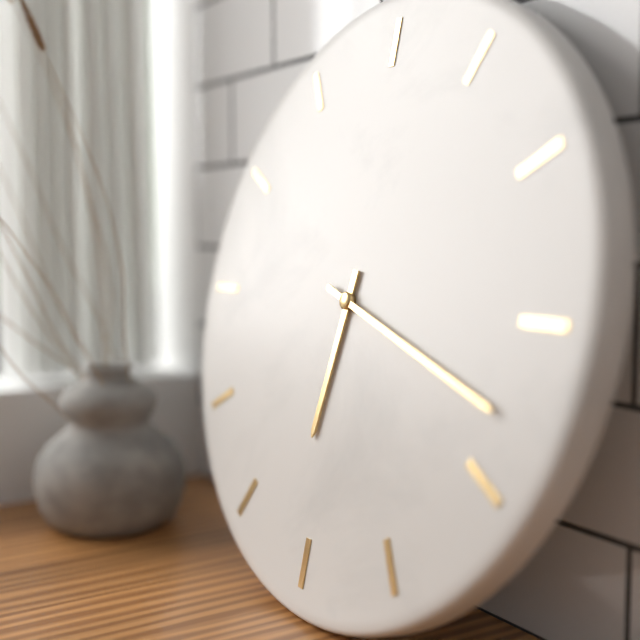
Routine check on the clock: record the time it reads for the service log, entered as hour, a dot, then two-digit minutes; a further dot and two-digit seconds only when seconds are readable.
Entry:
6.18
